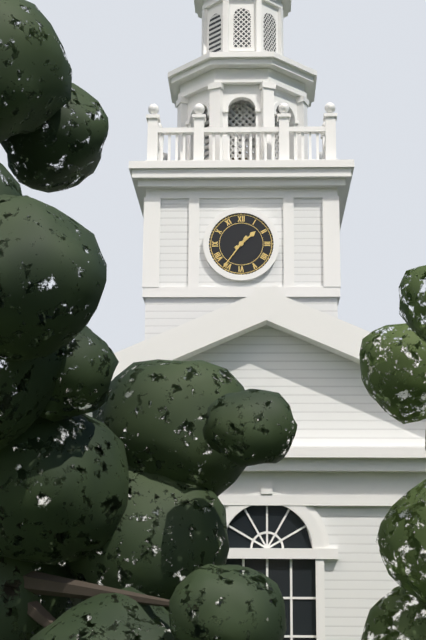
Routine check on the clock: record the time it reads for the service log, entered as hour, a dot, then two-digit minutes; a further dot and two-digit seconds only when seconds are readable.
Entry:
1.36
